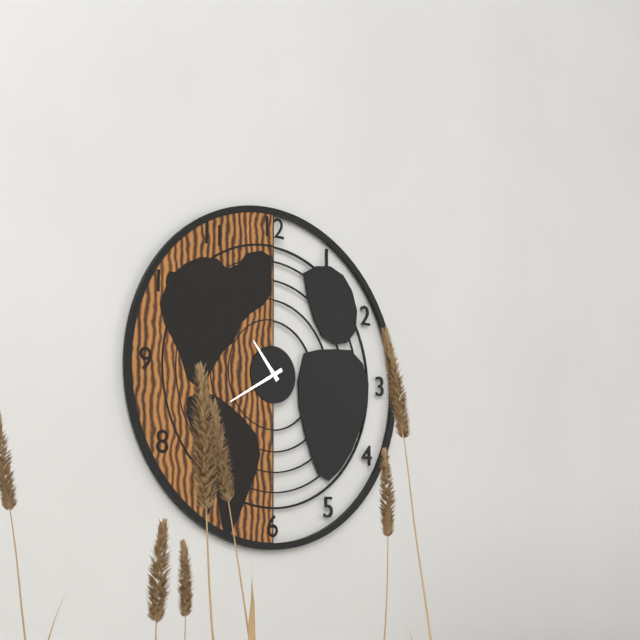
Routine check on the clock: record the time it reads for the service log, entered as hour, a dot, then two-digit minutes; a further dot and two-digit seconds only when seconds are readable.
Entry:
10.40
